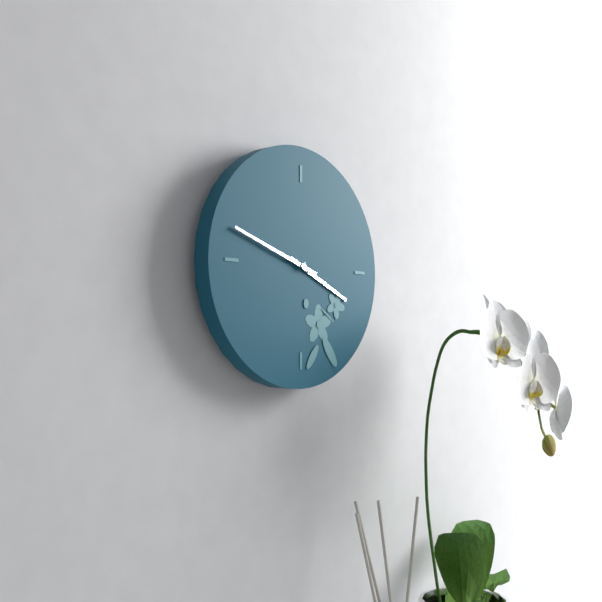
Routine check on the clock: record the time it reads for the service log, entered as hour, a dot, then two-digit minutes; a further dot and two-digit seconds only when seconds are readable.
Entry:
3.48
